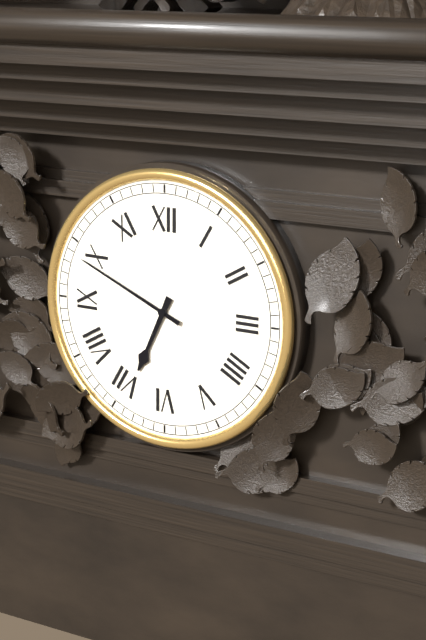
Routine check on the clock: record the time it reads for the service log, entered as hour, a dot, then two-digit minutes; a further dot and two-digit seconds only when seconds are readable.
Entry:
6.49
